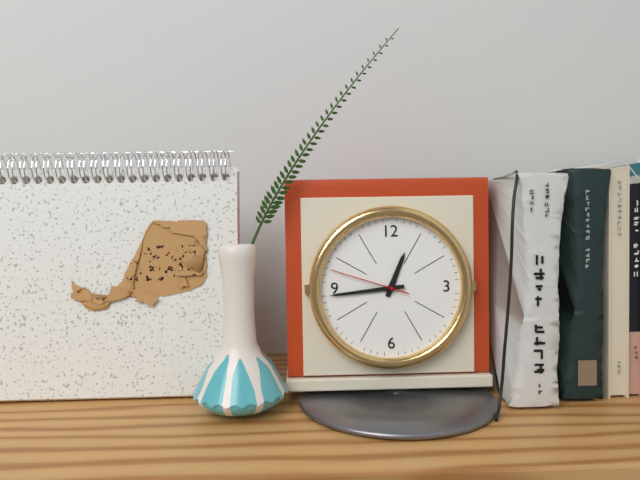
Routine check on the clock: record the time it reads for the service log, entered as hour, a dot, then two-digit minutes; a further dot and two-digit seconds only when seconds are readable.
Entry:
12.44.48
